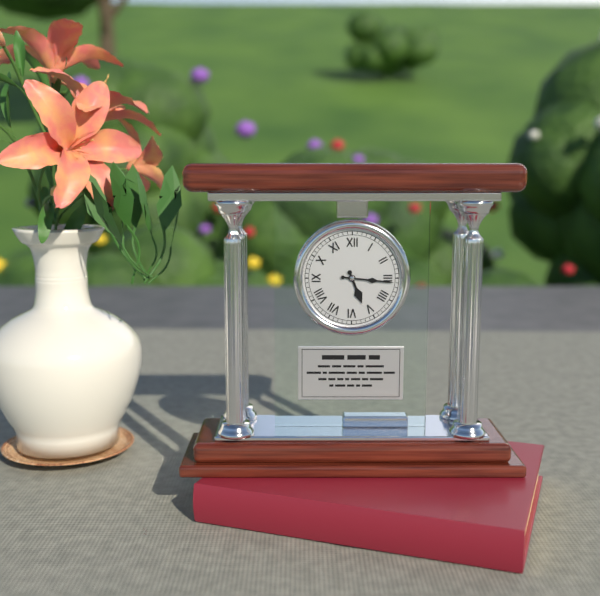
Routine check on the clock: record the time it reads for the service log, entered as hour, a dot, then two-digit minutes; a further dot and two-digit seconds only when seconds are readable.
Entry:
5.16
